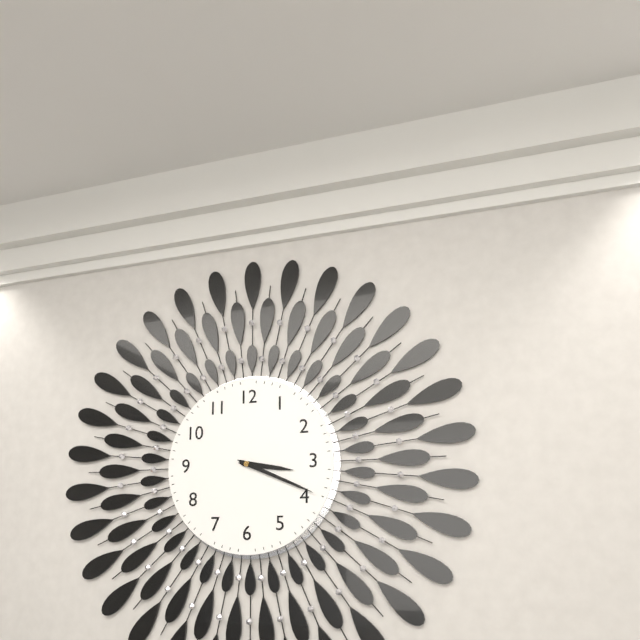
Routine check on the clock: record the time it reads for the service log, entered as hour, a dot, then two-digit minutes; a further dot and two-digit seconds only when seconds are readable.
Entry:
3.19
